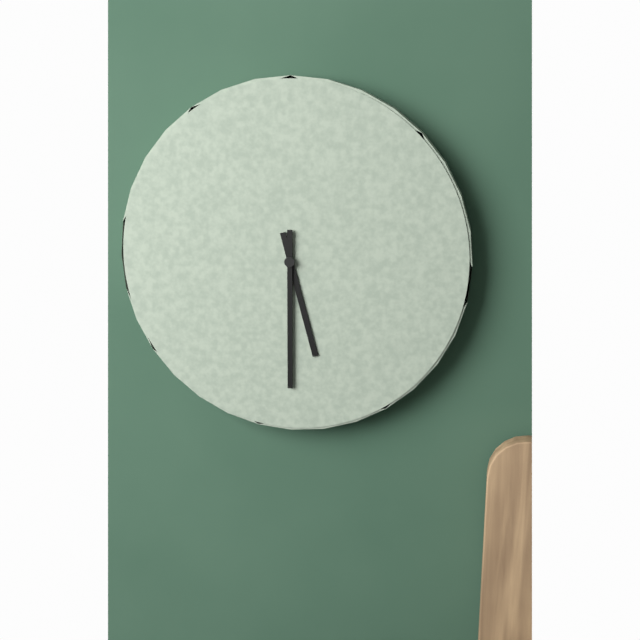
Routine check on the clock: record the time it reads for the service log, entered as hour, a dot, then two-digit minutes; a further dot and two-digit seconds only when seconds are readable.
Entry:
5.30
